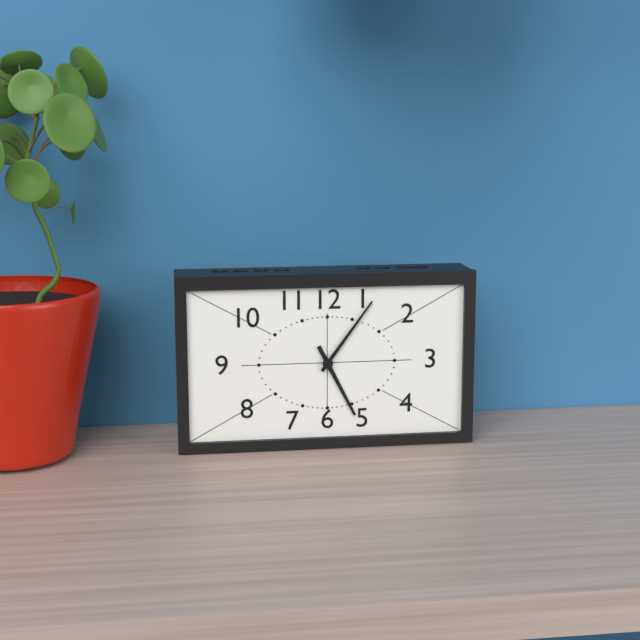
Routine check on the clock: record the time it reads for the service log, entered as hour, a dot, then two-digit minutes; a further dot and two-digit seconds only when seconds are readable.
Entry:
5.06
